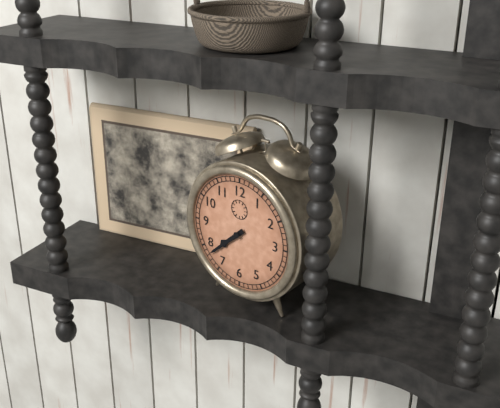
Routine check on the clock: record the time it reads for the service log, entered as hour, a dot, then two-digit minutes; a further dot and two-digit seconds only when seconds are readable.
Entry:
7.38
